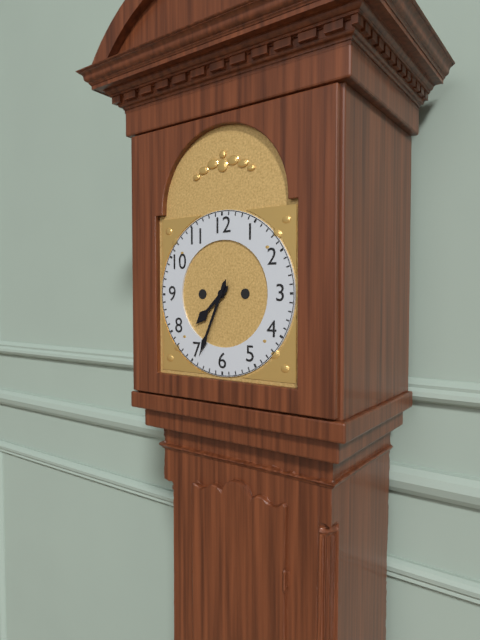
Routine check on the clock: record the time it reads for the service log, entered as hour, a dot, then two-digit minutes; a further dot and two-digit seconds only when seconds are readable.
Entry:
7.34
